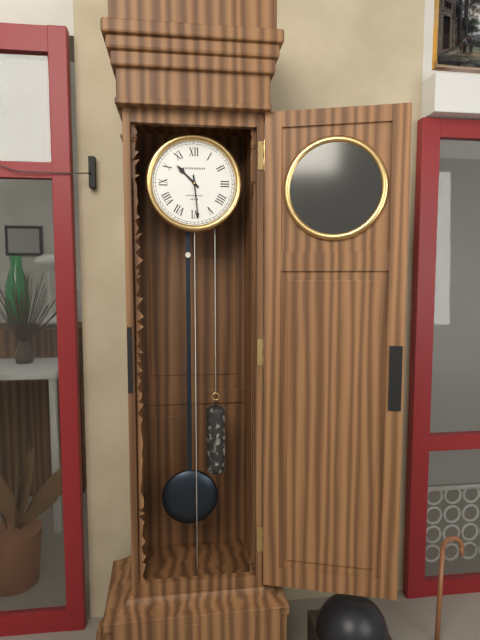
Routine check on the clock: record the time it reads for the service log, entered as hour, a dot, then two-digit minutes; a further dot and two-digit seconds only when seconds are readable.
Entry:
10.29
